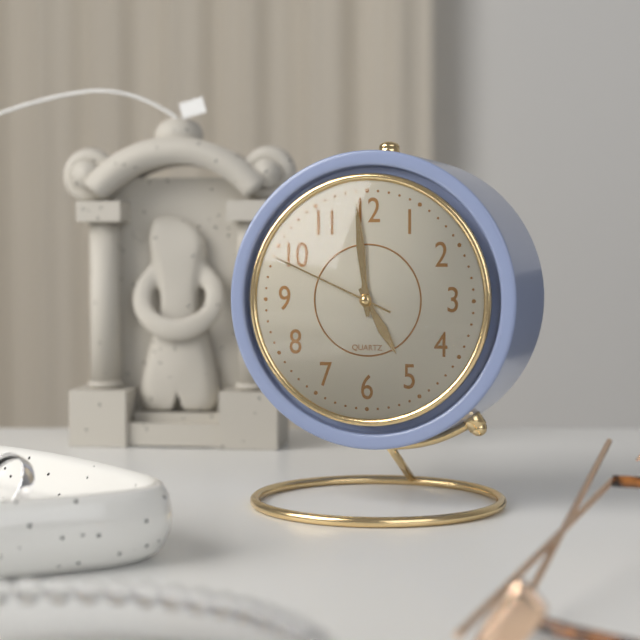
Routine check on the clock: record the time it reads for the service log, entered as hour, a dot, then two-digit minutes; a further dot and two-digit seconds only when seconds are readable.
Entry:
4.59.49
